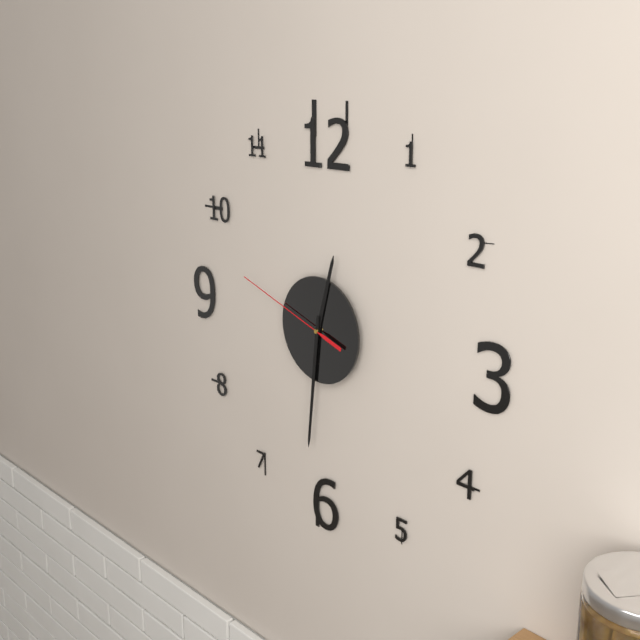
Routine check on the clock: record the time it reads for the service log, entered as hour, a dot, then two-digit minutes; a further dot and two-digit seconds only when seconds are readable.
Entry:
12.31.48
